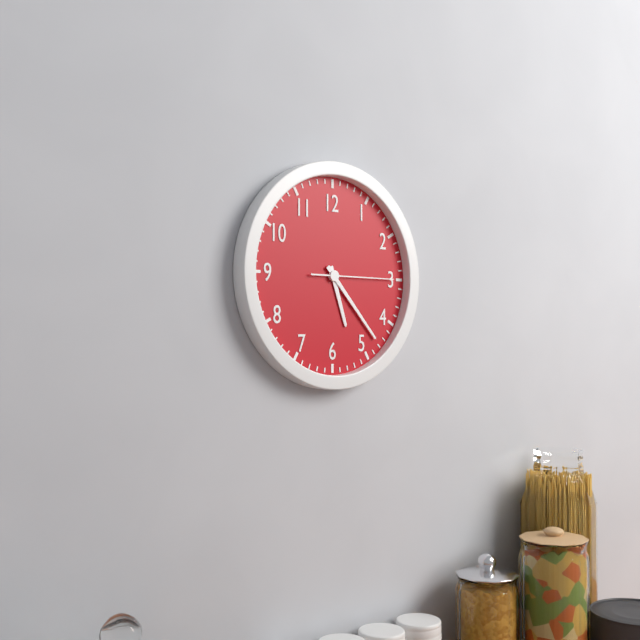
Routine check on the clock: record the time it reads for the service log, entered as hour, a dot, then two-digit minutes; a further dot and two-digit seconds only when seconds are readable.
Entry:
5.23.15
